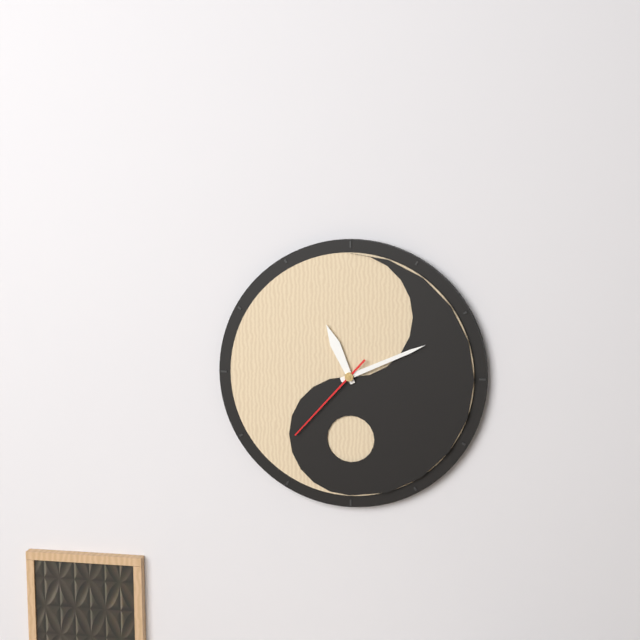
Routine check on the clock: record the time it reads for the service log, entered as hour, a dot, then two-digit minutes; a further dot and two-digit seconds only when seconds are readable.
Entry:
11.11.37
